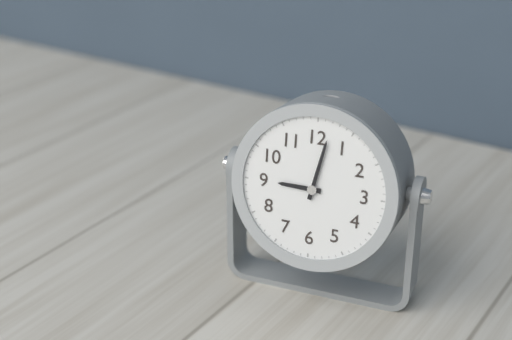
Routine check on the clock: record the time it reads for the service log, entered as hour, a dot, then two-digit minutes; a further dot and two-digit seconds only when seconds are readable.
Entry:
9.02
